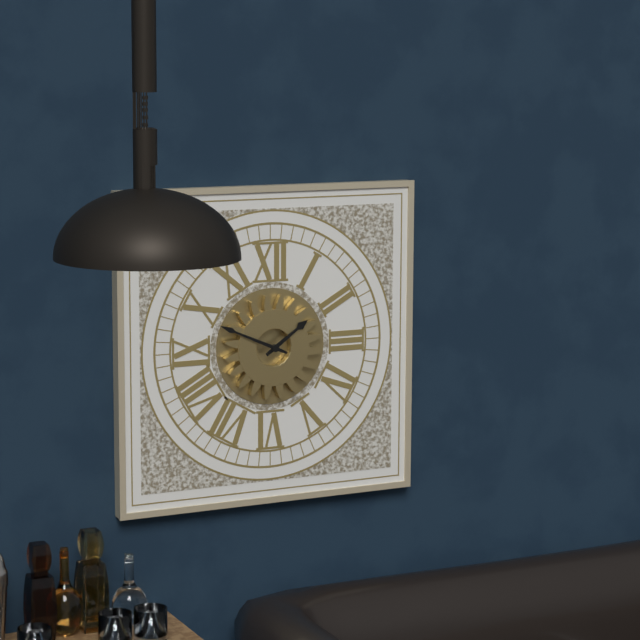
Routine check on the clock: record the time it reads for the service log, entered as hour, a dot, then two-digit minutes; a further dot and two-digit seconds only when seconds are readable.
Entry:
1.49
